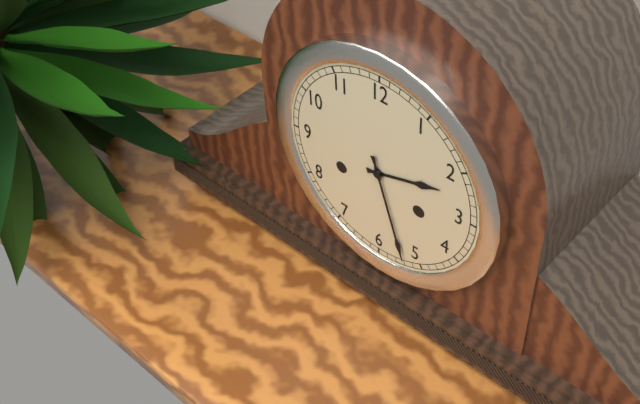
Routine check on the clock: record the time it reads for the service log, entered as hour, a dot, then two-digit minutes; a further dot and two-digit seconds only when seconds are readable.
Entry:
2.27
